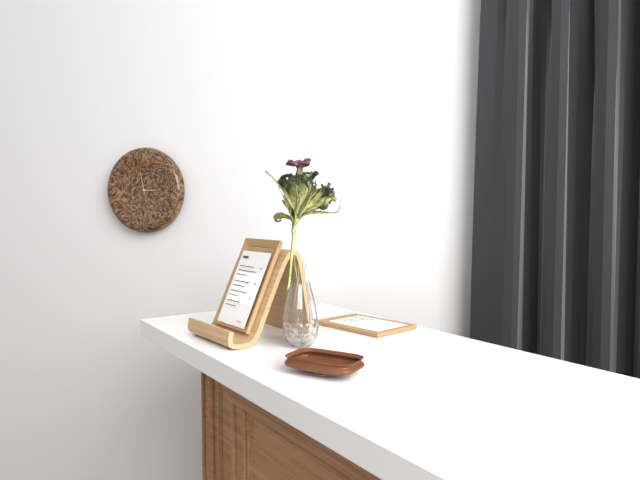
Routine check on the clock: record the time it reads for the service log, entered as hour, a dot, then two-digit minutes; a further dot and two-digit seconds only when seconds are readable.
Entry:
2.58
